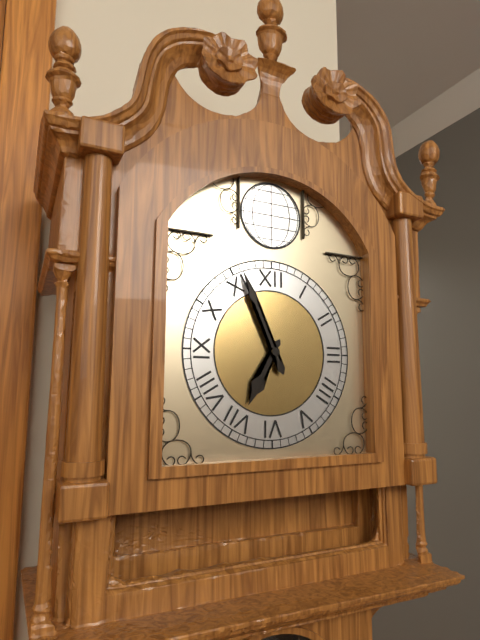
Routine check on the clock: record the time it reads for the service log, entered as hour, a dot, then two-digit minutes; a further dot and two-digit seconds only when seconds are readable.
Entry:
6.56
